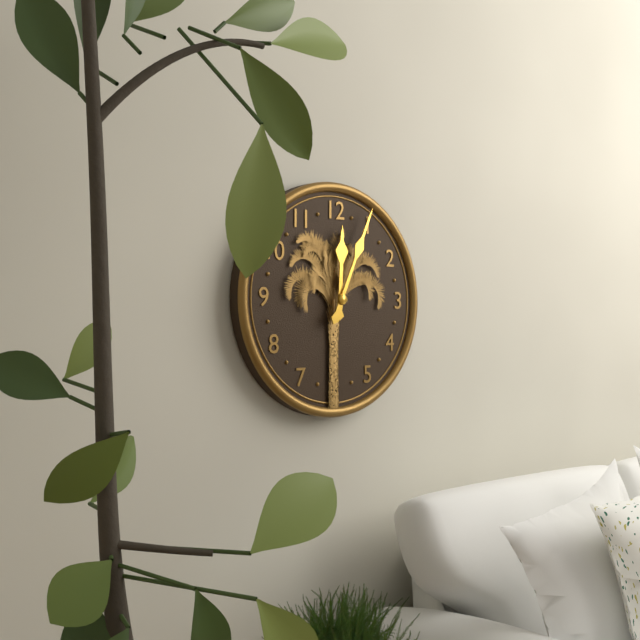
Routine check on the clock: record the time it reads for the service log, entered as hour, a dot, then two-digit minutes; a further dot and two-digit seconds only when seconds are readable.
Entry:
12.04
